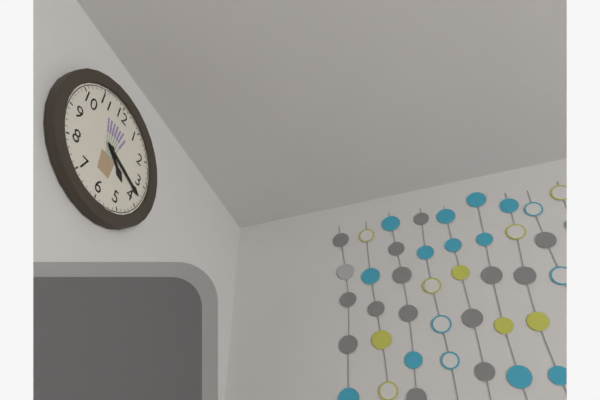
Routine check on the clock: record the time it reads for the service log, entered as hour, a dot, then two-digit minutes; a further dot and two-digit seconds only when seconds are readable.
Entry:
4.18
